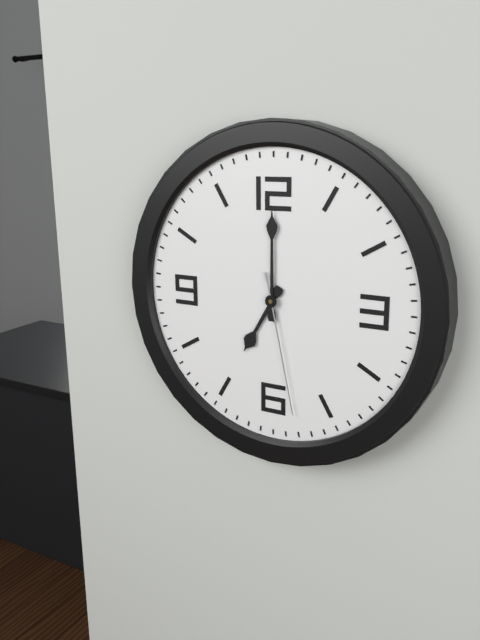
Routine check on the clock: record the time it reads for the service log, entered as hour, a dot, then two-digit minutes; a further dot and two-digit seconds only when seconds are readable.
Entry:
7.00.28
